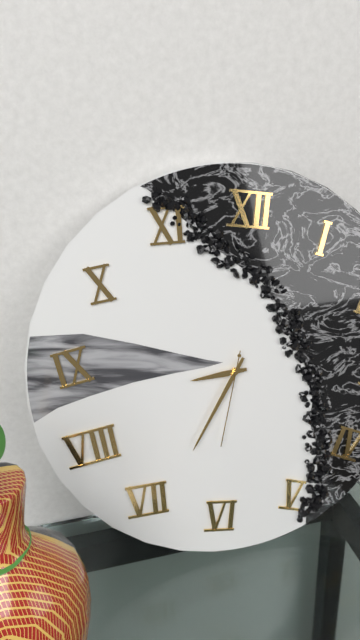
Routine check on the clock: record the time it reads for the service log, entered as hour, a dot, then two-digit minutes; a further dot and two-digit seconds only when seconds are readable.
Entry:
8.34.31
